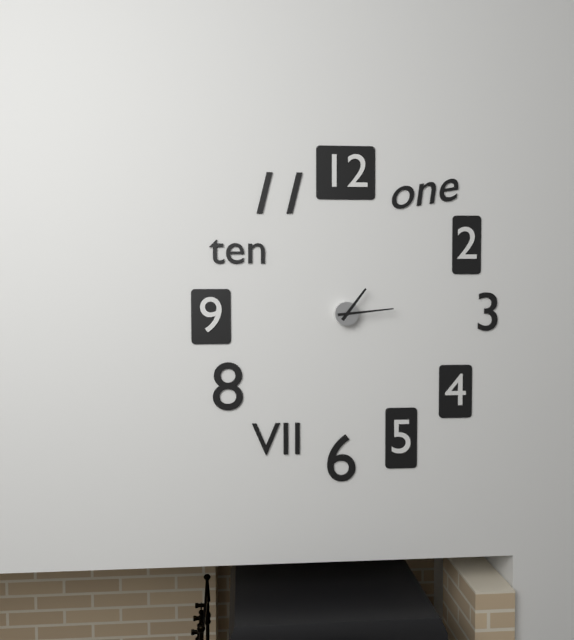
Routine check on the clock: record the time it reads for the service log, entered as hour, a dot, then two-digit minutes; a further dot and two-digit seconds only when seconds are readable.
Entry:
1.14
